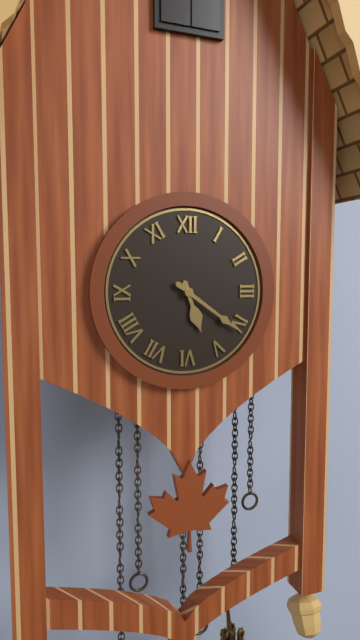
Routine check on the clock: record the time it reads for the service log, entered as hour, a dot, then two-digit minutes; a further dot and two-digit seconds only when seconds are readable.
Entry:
5.21
